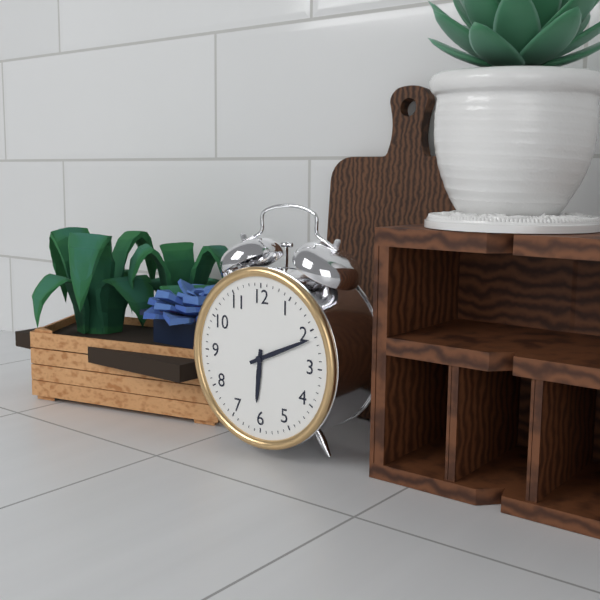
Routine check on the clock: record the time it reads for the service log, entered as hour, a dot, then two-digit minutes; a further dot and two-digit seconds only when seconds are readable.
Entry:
6.11
